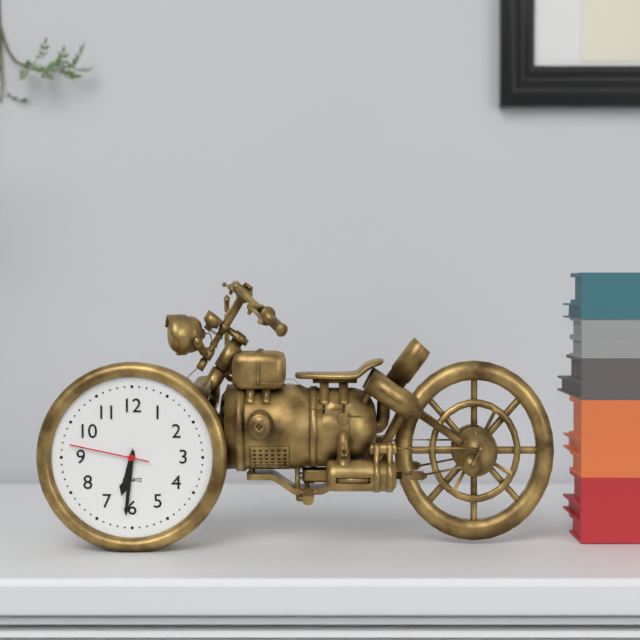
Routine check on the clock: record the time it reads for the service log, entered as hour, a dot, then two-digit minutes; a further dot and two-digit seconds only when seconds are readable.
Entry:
6.31.47
